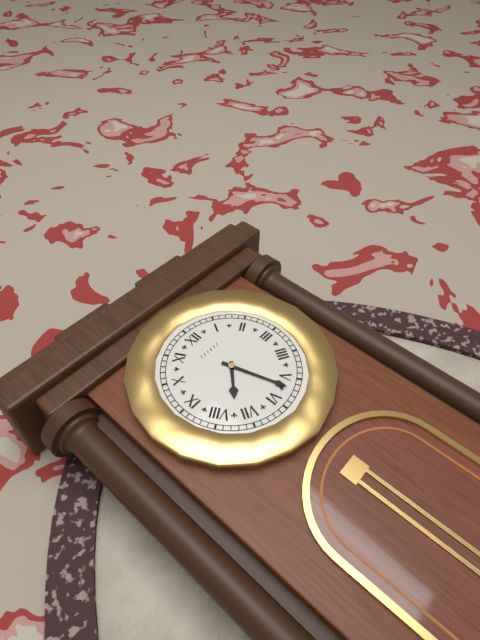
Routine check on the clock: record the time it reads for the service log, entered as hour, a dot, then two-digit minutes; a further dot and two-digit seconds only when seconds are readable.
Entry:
7.27
